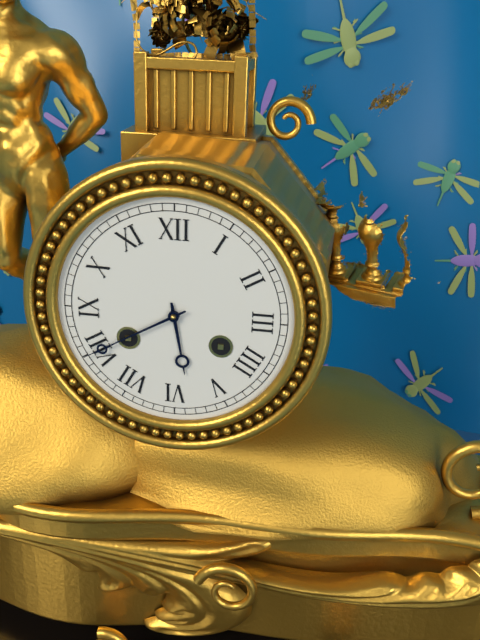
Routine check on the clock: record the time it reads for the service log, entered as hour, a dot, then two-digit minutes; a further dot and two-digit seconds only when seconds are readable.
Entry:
5.40
